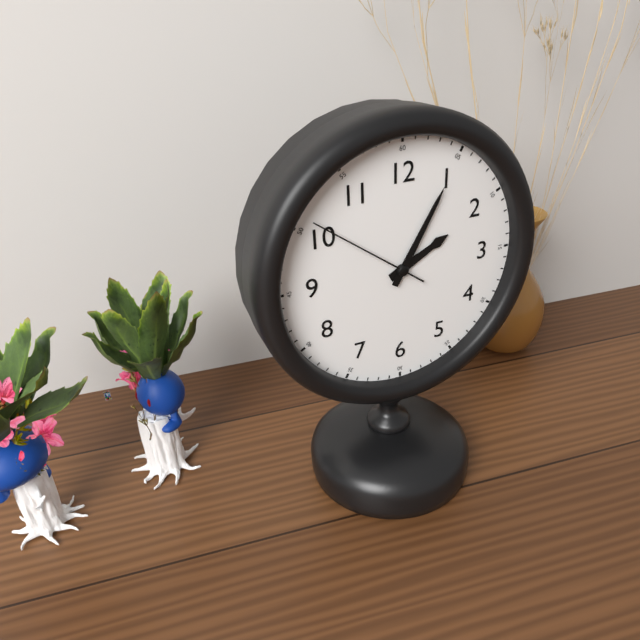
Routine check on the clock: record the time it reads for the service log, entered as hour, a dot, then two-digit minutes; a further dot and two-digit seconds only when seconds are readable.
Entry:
2.05.51
